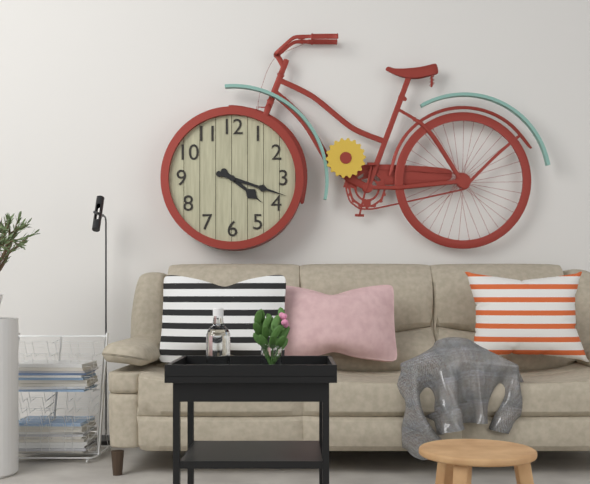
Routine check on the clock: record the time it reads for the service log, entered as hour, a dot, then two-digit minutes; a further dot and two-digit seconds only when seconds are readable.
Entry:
4.18
